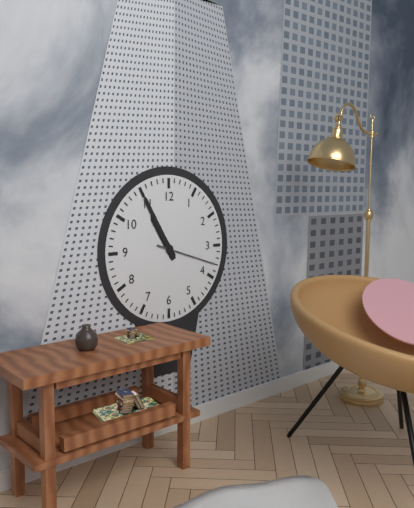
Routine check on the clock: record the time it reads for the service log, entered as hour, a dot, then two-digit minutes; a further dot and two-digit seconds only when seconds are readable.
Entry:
10.55.18
